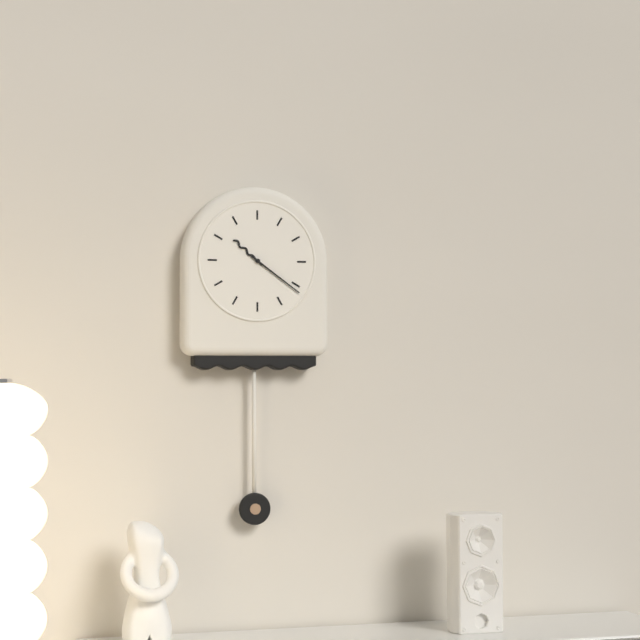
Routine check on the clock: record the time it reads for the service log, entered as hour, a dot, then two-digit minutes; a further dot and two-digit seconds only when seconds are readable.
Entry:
10.21
